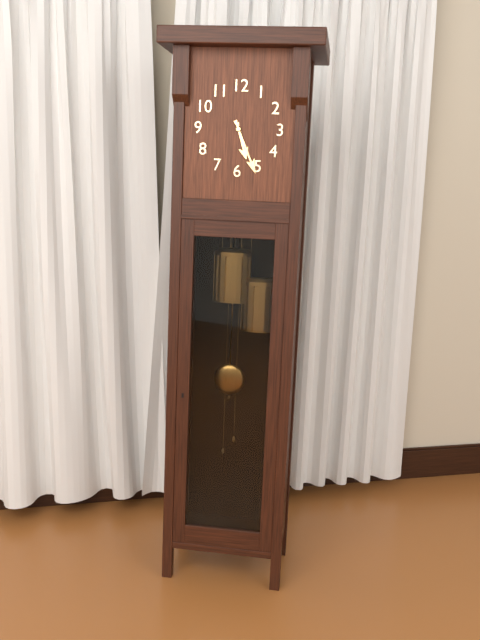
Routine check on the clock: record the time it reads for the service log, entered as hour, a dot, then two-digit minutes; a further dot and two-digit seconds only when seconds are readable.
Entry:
5.26
